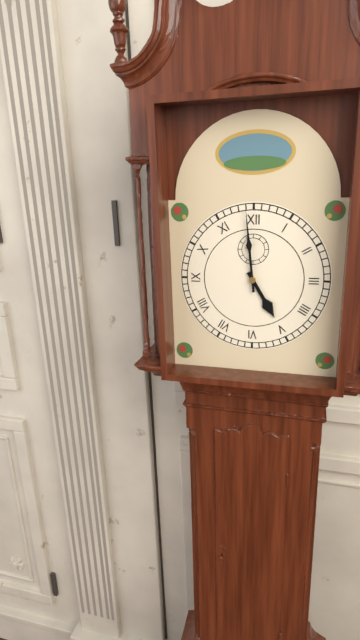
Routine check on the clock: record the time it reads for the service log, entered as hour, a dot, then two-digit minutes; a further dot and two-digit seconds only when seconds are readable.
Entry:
4.59
